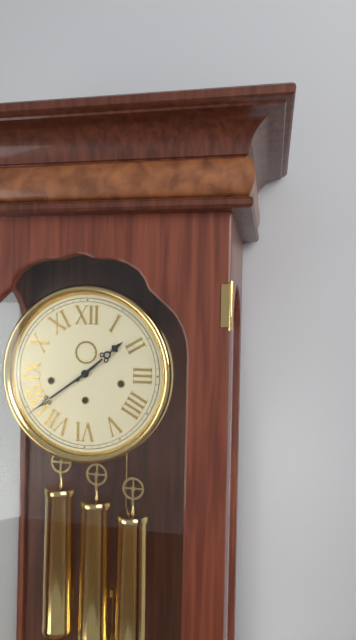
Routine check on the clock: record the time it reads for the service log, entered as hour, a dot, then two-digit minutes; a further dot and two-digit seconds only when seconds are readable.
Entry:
1.39
